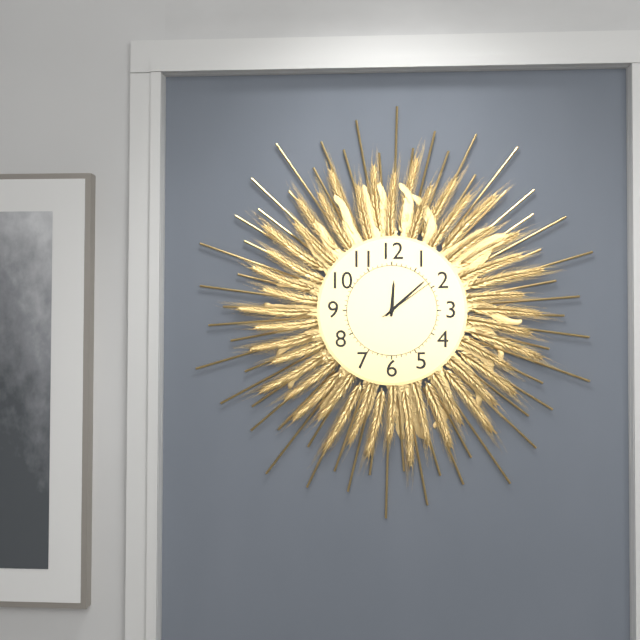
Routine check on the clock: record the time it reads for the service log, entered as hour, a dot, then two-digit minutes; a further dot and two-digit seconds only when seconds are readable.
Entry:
12.08.09
